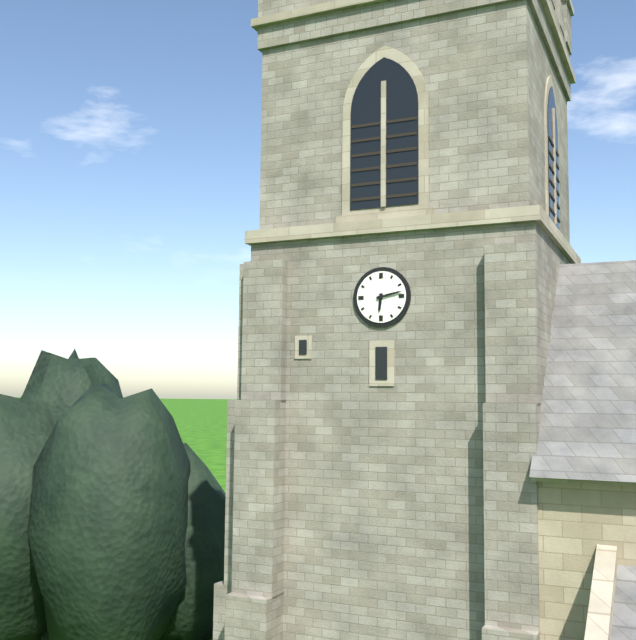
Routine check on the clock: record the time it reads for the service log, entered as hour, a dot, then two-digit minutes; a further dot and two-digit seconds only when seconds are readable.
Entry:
6.13
